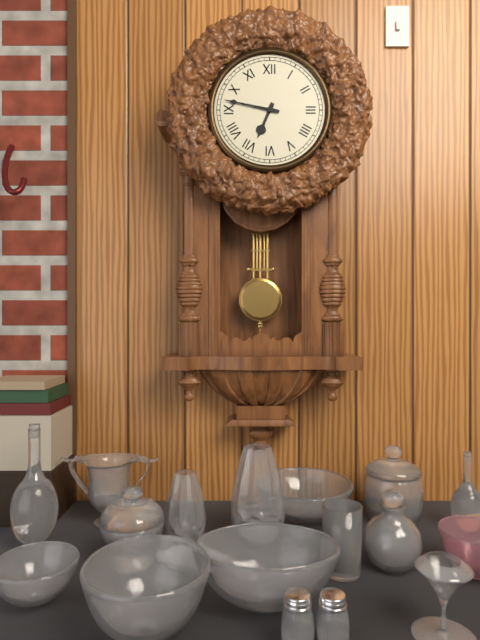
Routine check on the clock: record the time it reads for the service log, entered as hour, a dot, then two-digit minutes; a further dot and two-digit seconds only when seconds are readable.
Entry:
6.47
